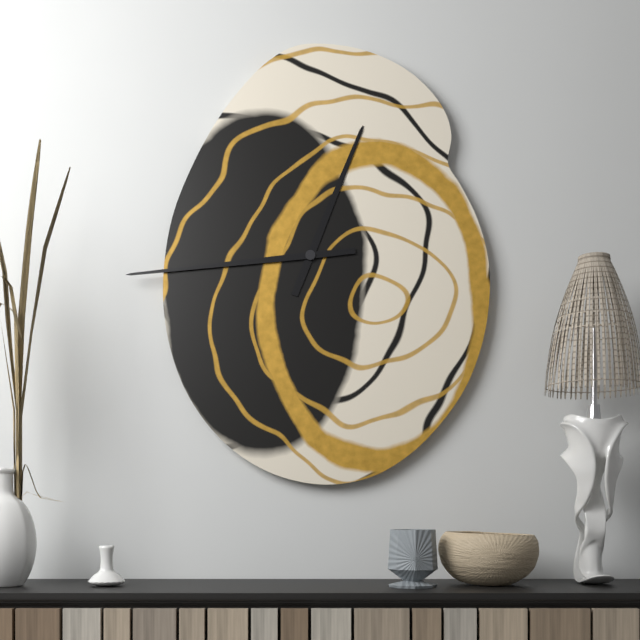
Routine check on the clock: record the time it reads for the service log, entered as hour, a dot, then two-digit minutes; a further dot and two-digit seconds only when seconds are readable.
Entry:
12.44
